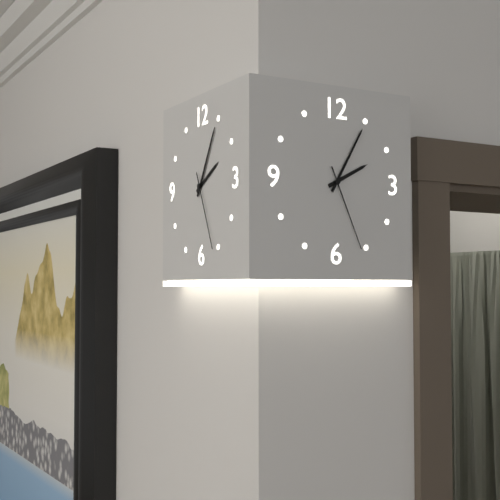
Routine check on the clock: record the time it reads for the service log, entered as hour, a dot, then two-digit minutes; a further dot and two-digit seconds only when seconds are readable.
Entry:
2.05.26
